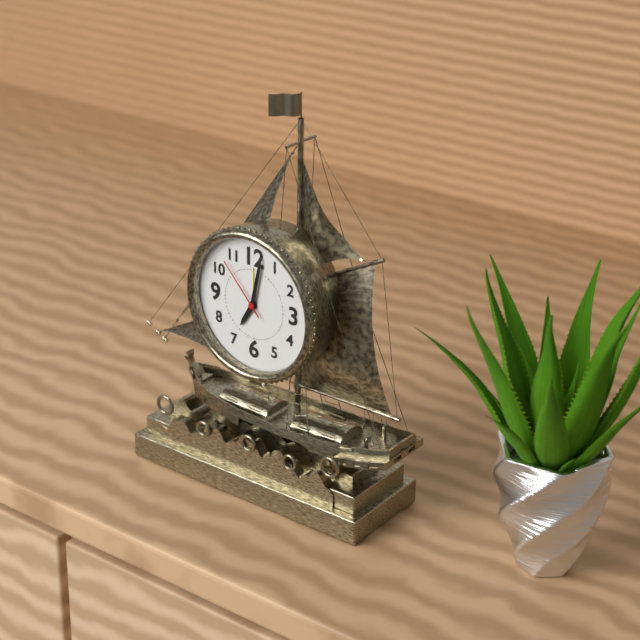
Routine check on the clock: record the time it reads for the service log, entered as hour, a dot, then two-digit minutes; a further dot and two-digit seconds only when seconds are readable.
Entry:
7.02.53
